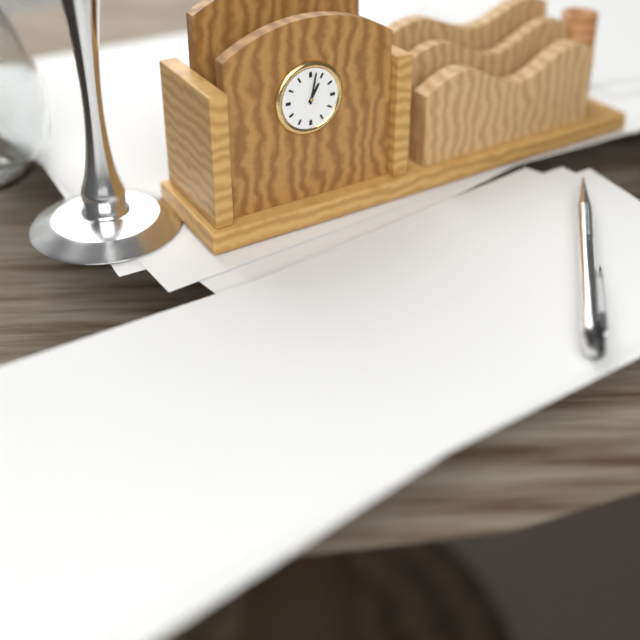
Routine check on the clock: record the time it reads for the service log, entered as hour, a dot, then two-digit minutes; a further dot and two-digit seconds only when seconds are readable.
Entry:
1.02
